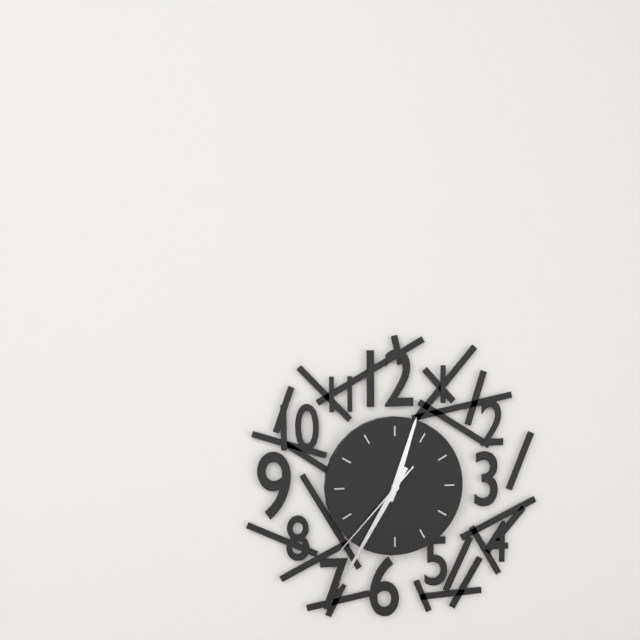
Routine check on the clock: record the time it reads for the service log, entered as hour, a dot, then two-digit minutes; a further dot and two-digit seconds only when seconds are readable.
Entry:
12.35.37
